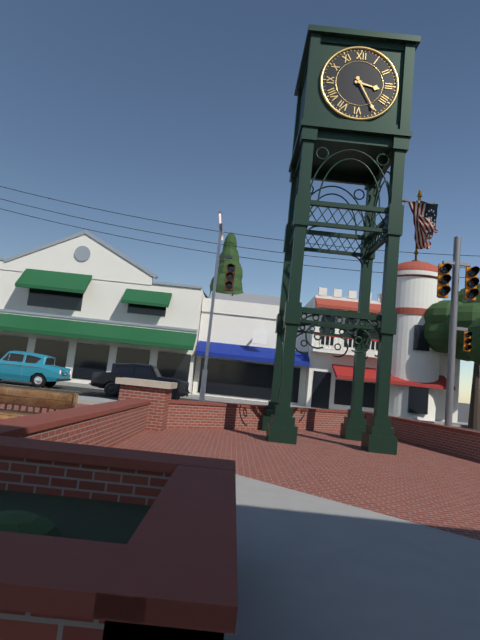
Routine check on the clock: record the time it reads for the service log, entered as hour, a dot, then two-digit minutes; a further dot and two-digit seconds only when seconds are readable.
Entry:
3.25
